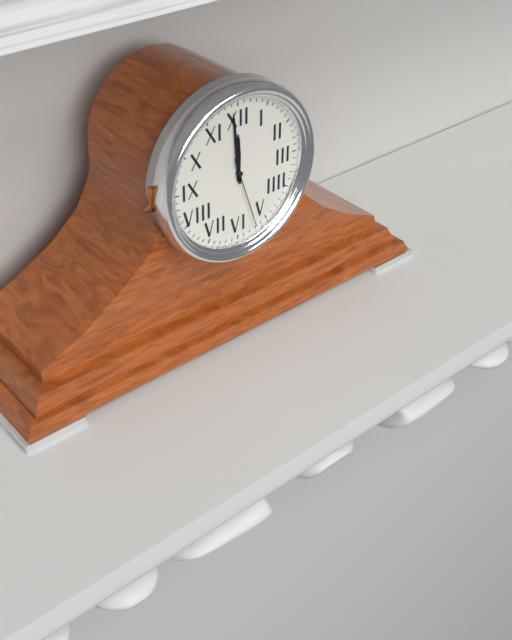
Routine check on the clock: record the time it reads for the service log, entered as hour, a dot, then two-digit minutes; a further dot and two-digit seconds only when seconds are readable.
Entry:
11.59.27
